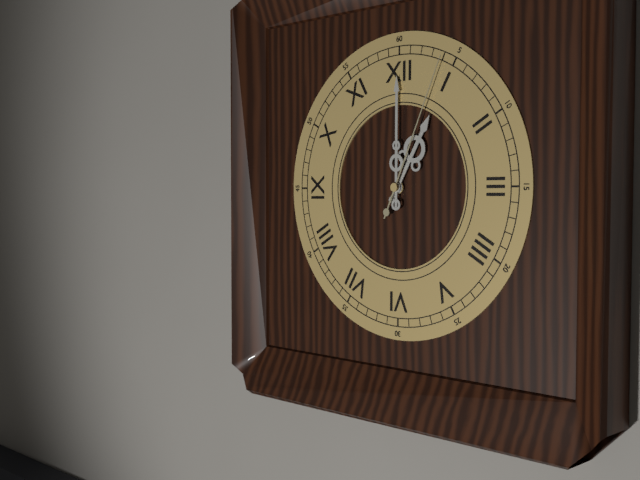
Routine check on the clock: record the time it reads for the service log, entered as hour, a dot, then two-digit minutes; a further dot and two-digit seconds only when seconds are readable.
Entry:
1.00.04
